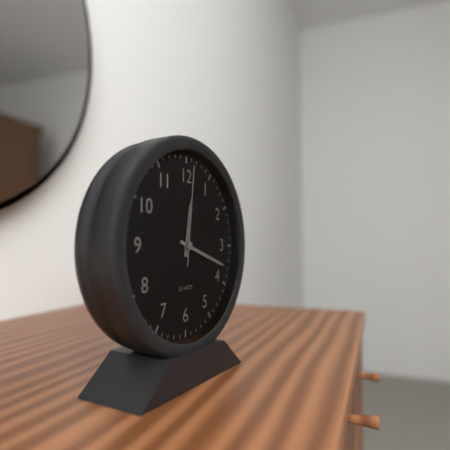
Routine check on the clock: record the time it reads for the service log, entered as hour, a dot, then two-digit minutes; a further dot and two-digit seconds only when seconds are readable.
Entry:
12.18.01
